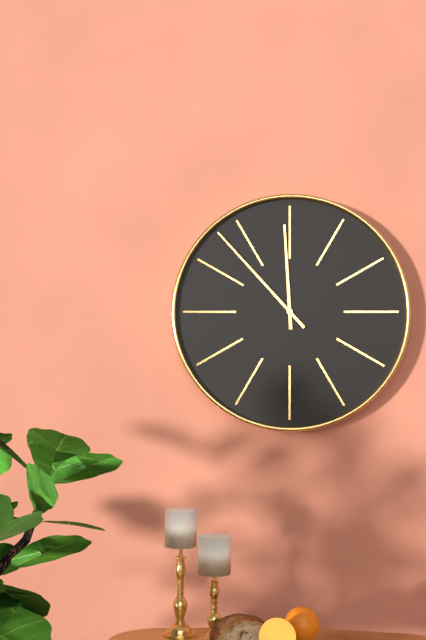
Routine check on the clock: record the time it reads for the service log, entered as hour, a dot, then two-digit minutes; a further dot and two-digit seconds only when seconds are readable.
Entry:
11.53
